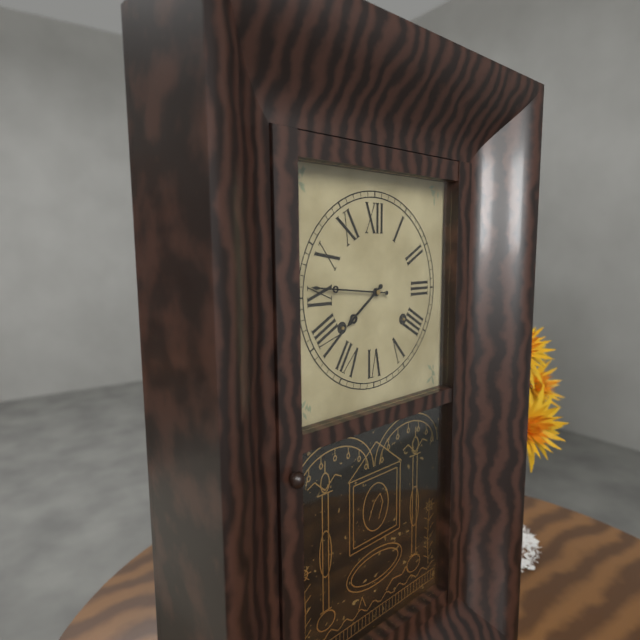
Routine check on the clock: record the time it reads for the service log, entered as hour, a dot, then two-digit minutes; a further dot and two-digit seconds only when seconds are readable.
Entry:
7.46
